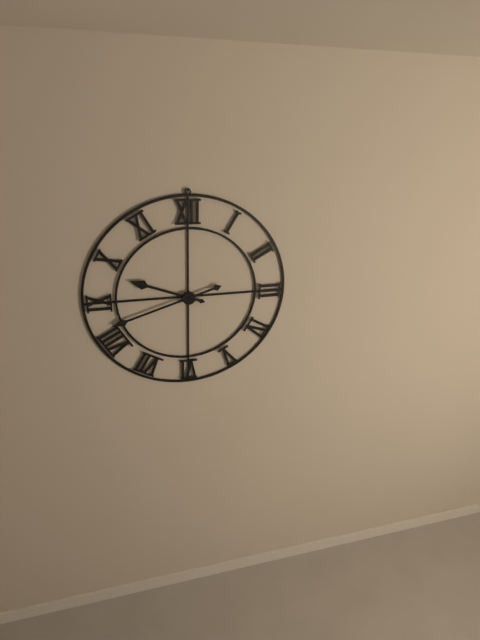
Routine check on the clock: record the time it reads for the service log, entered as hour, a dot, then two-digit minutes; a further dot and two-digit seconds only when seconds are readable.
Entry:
9.42
